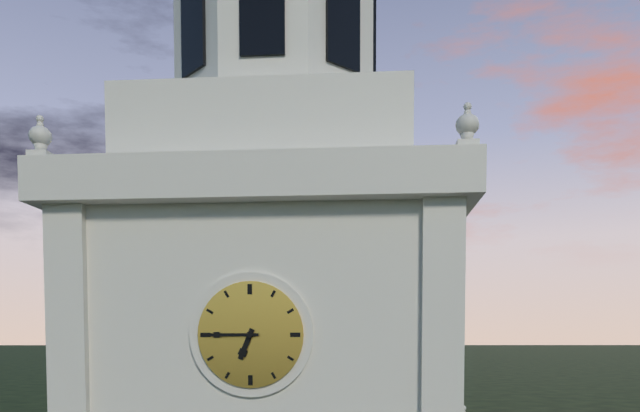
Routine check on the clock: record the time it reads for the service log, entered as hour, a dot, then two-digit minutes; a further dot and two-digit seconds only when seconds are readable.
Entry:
6.45
